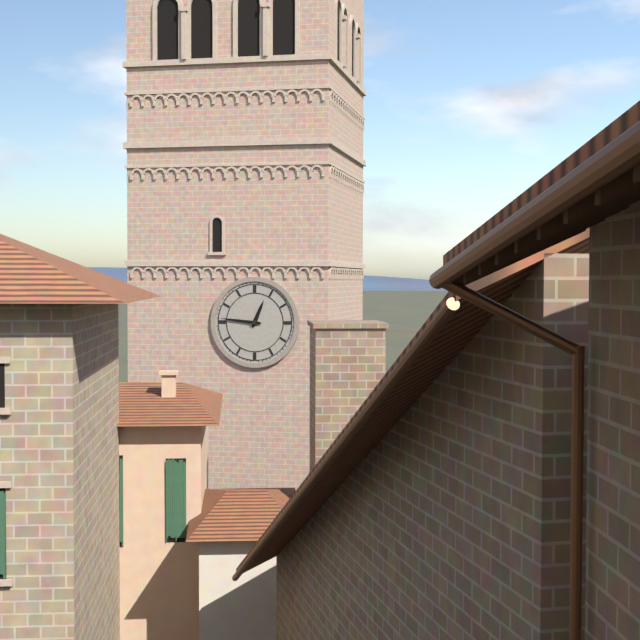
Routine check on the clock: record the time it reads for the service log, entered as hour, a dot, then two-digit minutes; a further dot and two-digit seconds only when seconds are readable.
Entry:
12.46
